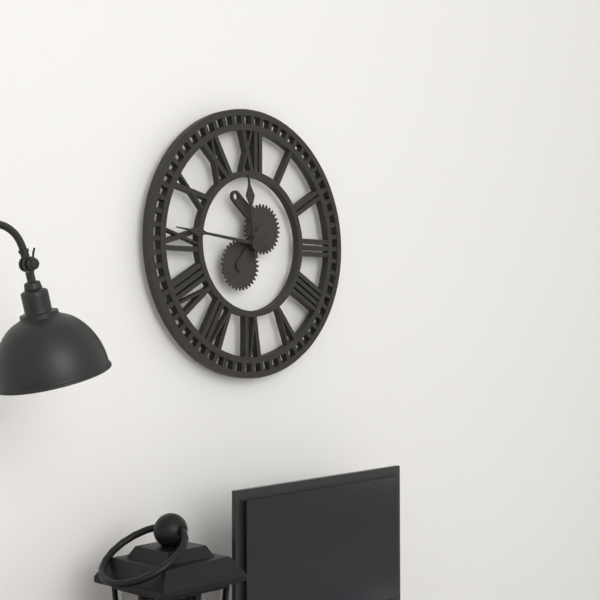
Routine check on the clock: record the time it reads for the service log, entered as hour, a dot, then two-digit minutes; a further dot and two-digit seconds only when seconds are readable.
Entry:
11.46
